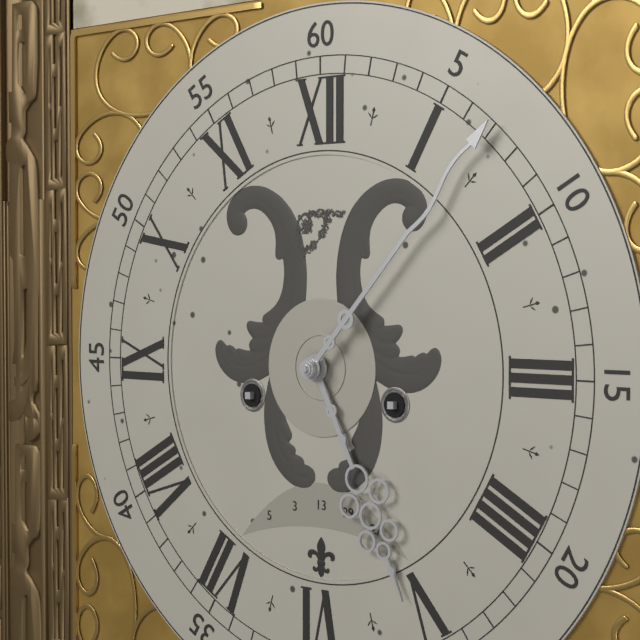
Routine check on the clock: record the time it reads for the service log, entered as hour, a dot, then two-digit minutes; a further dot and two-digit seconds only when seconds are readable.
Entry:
5.07
